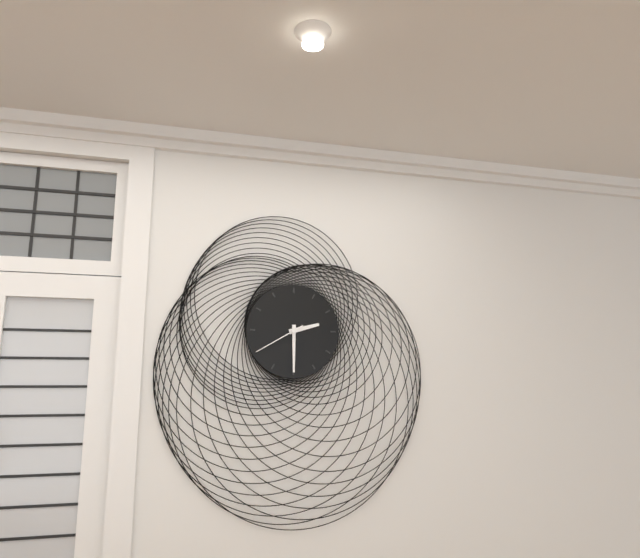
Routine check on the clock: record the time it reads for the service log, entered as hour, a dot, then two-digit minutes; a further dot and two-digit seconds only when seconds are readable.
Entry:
2.30.40
